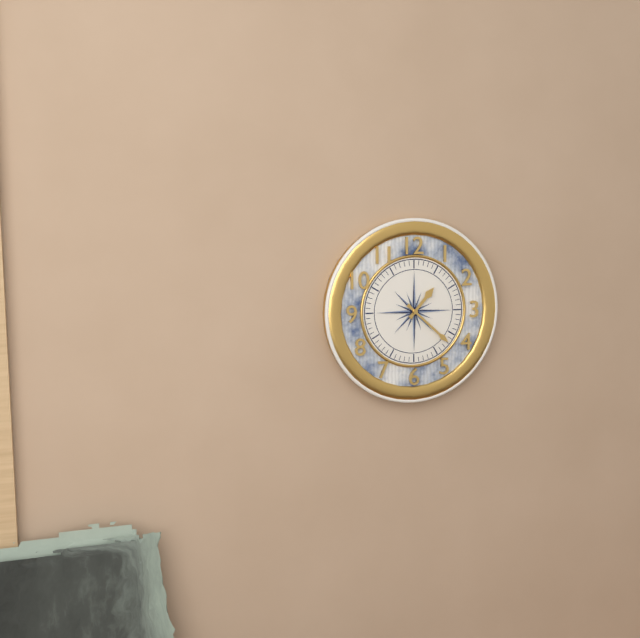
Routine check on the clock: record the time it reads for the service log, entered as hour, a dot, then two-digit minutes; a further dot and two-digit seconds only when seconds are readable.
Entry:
1.22
